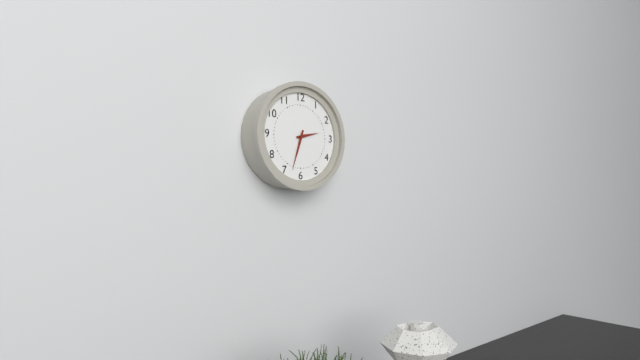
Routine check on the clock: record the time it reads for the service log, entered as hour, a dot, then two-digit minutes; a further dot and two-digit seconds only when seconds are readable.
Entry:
2.33
